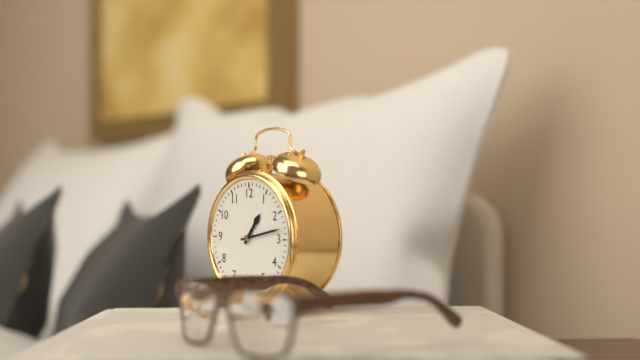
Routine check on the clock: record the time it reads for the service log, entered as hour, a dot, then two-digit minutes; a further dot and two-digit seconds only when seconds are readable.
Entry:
1.13
